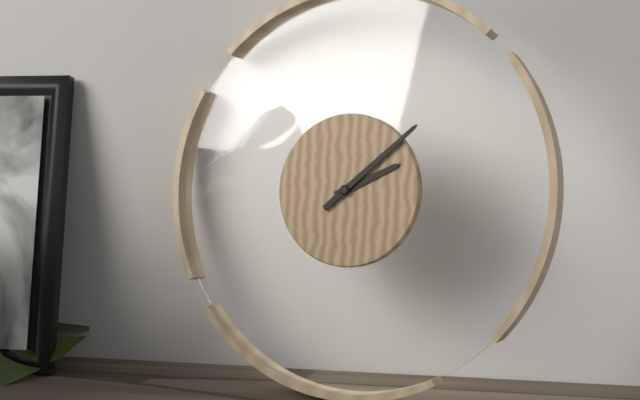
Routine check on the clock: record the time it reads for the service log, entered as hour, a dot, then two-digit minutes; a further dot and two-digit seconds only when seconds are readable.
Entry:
2.08
